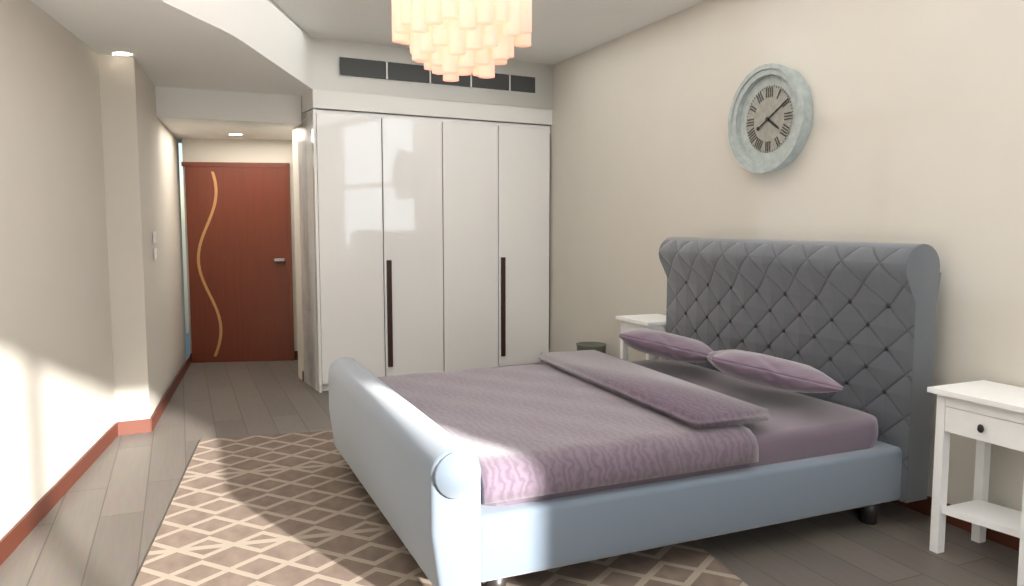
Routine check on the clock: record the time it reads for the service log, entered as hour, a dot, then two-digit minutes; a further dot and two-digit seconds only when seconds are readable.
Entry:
4.10
